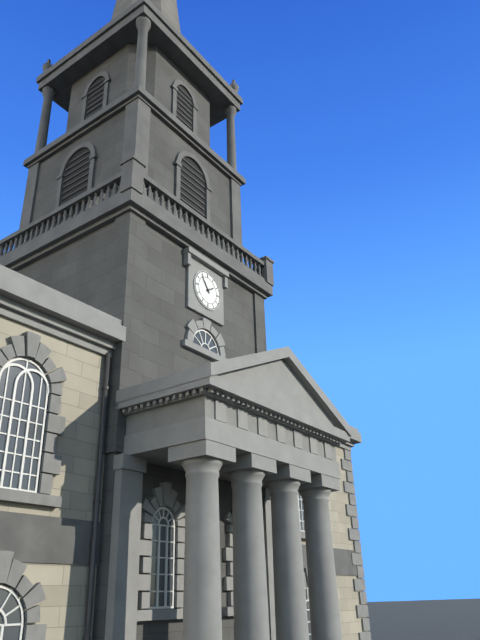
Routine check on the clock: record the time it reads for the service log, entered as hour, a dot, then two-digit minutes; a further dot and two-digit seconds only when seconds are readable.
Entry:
1.54
